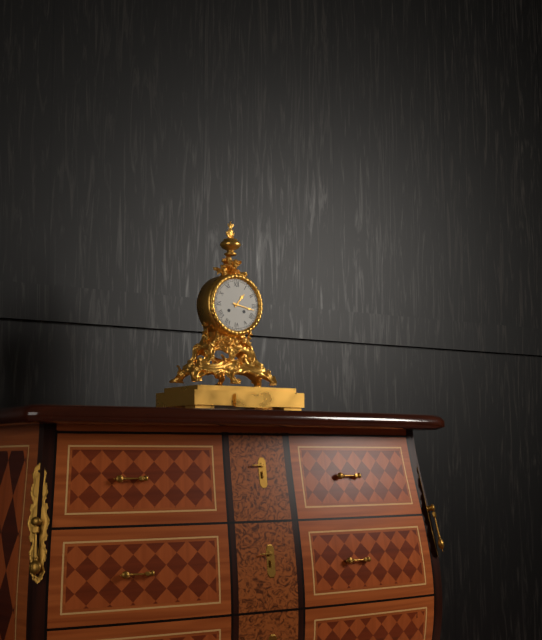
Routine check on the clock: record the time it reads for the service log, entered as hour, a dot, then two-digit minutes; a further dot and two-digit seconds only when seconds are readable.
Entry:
1.17
